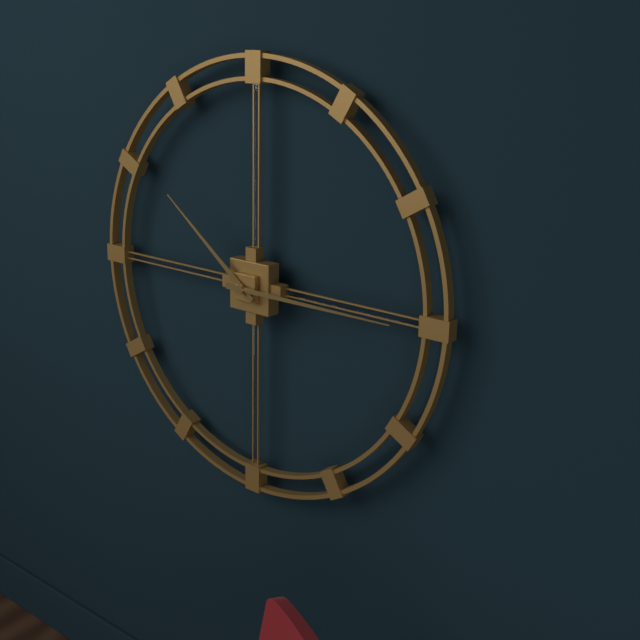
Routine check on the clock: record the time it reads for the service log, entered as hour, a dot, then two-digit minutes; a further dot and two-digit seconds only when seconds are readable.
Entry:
10.15
